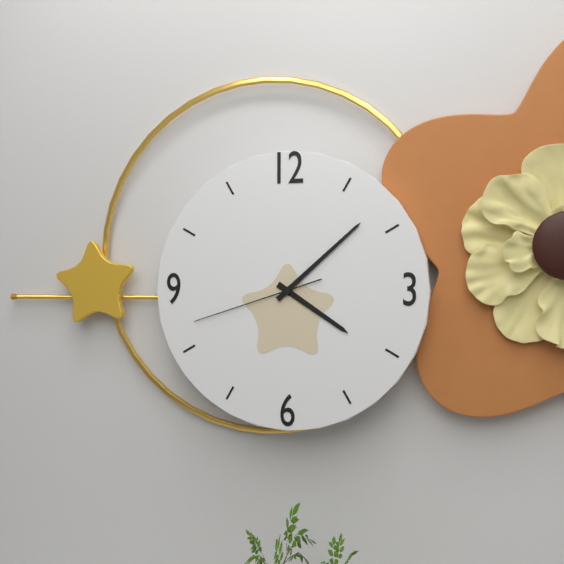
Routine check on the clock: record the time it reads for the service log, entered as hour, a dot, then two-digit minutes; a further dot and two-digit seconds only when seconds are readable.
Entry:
4.08.42
